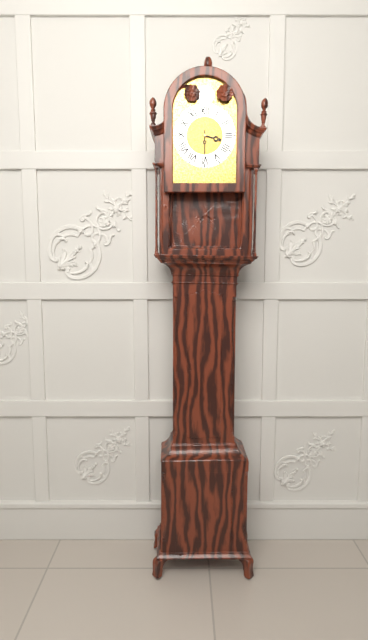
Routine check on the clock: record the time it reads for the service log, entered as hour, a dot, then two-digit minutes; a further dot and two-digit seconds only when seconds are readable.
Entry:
3.30
